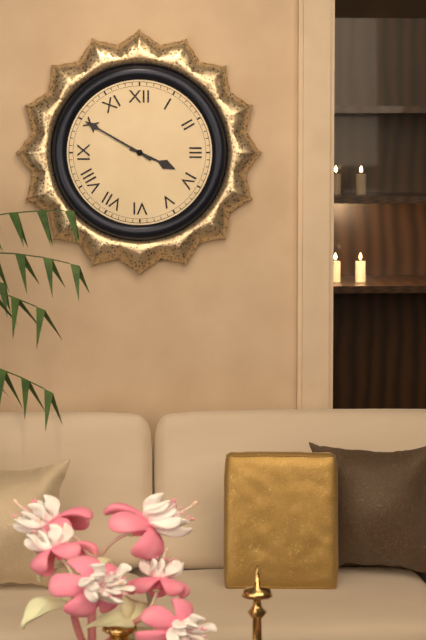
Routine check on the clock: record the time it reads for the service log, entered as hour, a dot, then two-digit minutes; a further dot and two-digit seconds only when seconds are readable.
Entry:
3.50
